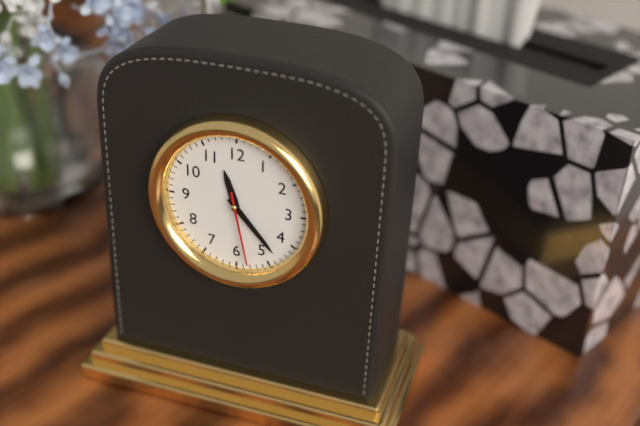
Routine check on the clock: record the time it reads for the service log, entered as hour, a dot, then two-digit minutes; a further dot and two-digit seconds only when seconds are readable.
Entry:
11.23.28
